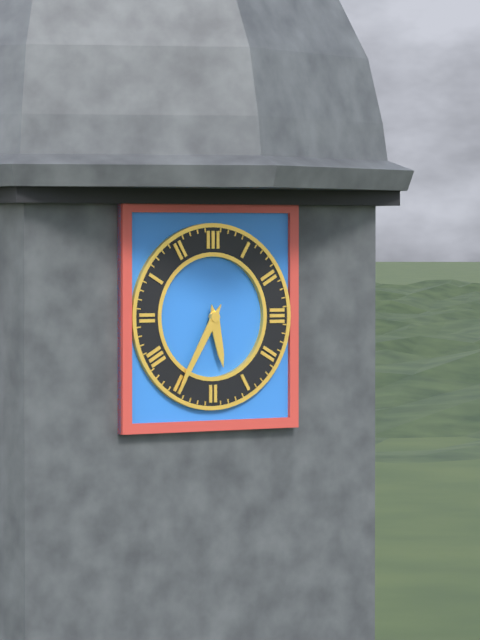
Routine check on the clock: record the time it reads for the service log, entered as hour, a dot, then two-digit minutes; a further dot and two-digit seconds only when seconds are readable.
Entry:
5.35
